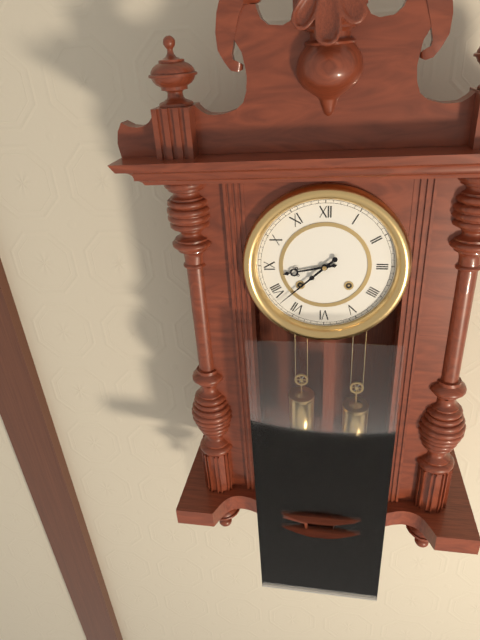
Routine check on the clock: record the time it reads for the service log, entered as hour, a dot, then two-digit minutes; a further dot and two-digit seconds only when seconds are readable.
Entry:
8.38
